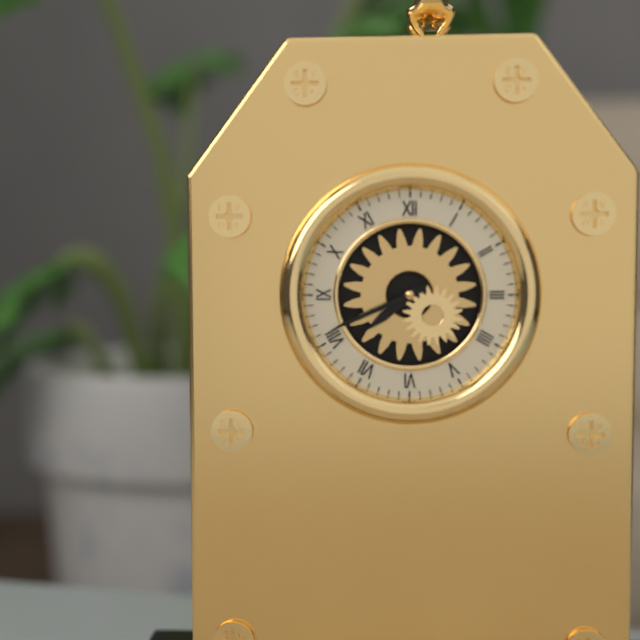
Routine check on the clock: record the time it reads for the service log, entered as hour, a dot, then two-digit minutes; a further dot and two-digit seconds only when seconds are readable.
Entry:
7.41
